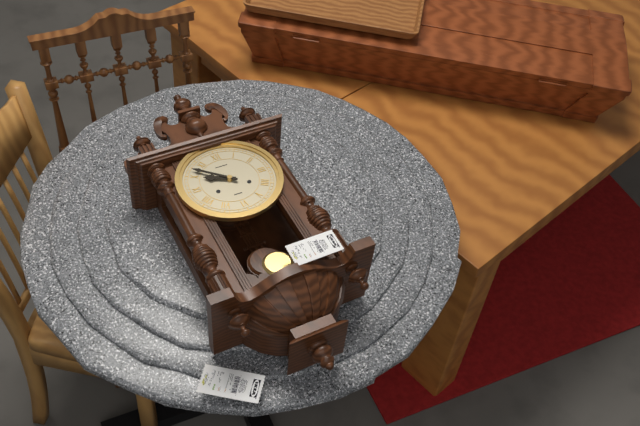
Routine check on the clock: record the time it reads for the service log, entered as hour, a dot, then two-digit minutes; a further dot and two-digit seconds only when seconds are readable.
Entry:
9.52
